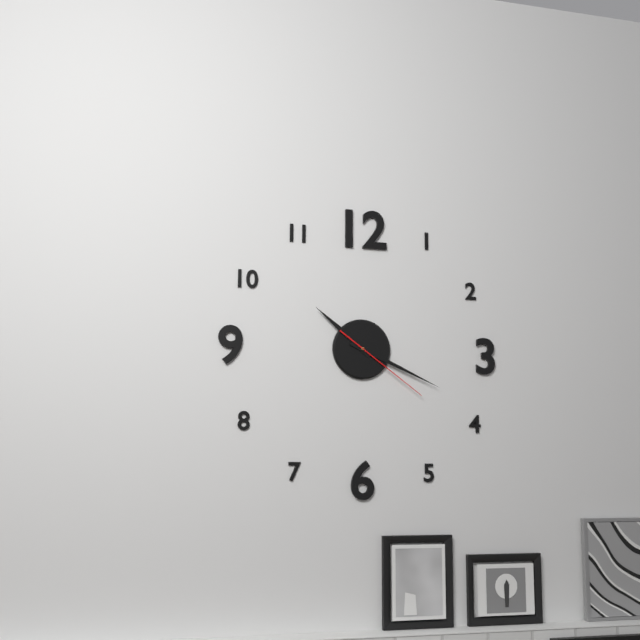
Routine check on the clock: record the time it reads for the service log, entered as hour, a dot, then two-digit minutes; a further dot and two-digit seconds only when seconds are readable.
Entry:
10.19.21
